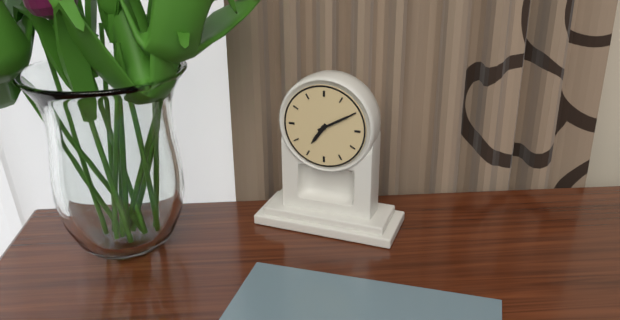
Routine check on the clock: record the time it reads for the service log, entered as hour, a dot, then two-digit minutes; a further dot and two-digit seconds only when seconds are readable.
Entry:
7.10
